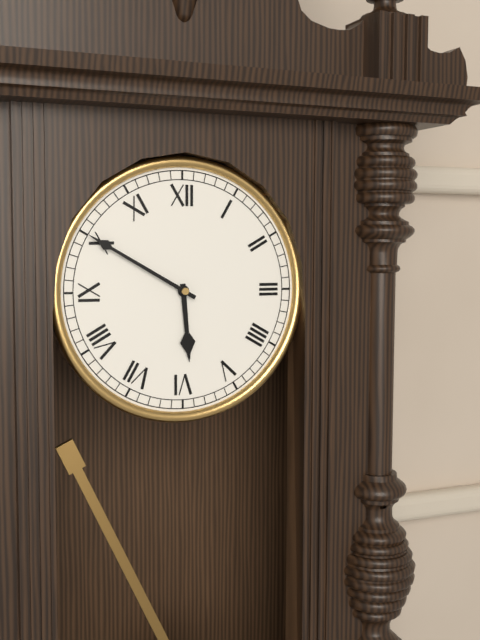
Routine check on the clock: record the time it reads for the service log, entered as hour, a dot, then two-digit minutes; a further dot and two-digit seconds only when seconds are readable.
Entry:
5.50
